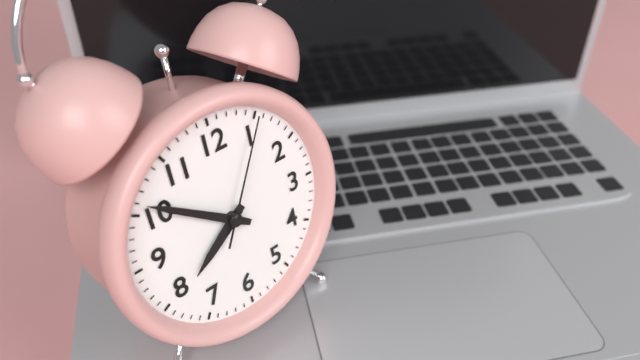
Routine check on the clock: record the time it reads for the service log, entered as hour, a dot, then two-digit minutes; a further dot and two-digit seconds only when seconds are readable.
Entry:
7.51.05
